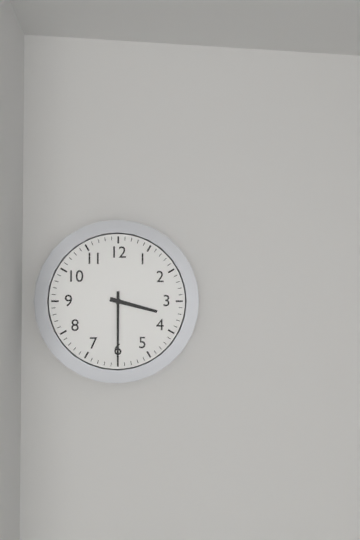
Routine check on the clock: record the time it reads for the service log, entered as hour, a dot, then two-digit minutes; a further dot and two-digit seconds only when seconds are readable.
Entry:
3.30
